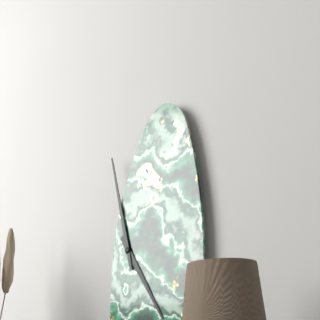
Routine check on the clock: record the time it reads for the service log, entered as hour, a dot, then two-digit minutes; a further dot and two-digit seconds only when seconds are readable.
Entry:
4.58
